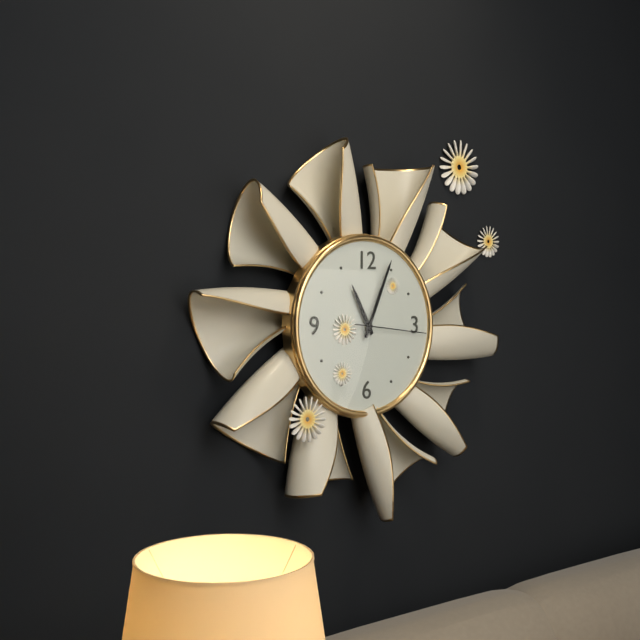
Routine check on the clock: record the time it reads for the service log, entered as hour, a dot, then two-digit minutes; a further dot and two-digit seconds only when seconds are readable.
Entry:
11.04.16
